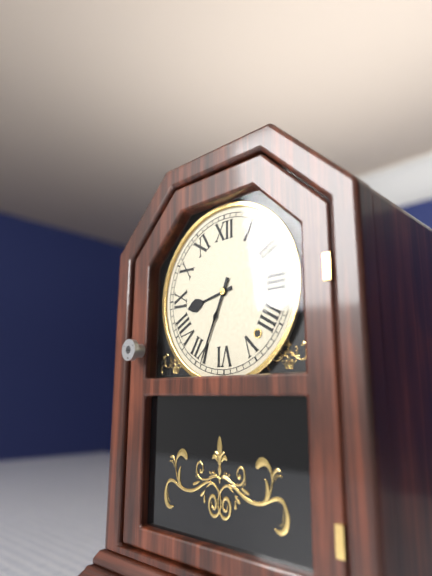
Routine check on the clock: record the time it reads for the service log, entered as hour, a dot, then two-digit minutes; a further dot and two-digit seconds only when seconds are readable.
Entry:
8.34
